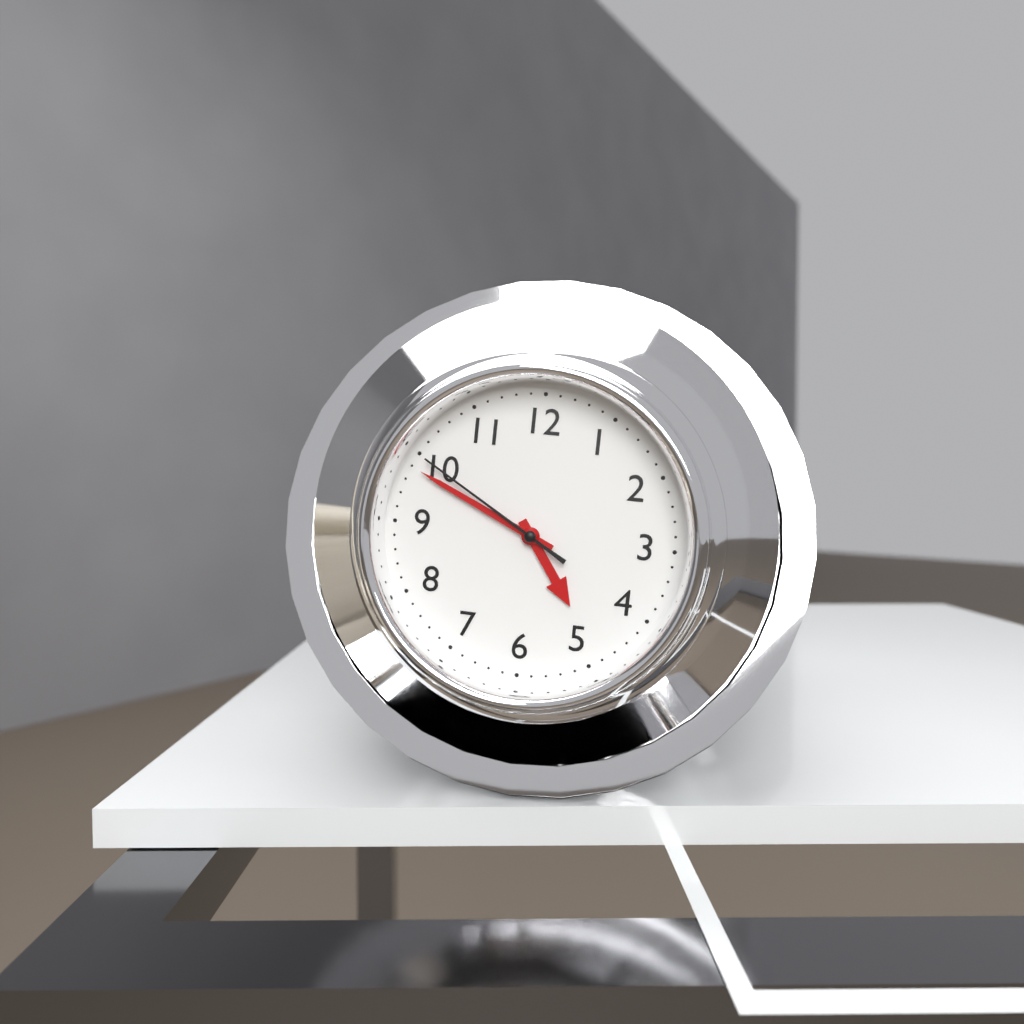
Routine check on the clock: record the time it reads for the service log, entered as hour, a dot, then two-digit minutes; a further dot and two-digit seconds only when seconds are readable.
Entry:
4.49.50
